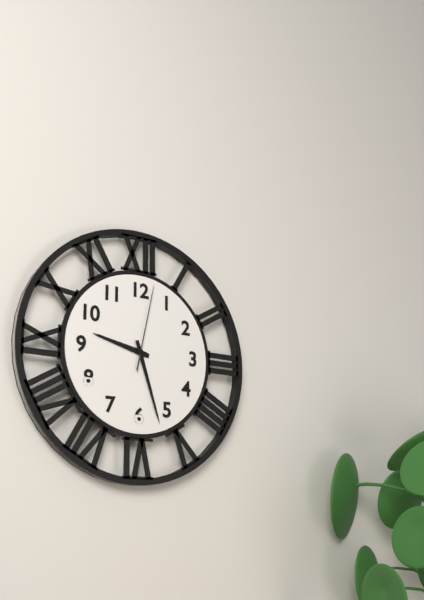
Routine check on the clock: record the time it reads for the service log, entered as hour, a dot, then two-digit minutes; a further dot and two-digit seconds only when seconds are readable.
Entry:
9.27.02
